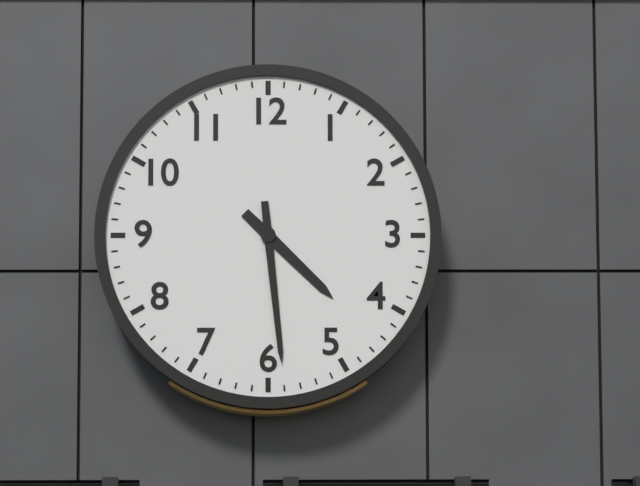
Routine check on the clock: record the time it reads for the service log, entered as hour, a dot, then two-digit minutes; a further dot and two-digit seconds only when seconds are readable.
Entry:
4.29
